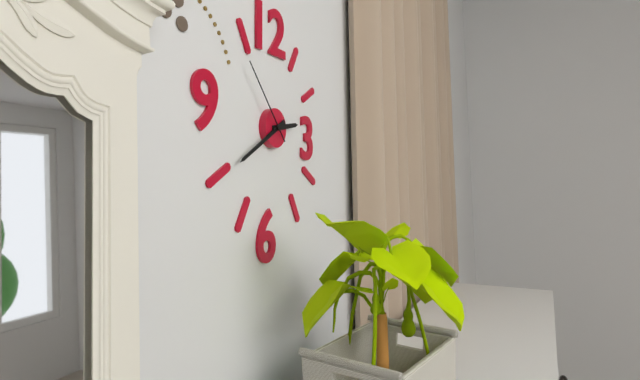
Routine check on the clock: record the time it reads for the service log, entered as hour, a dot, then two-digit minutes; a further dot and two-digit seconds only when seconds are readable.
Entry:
2.40.53
